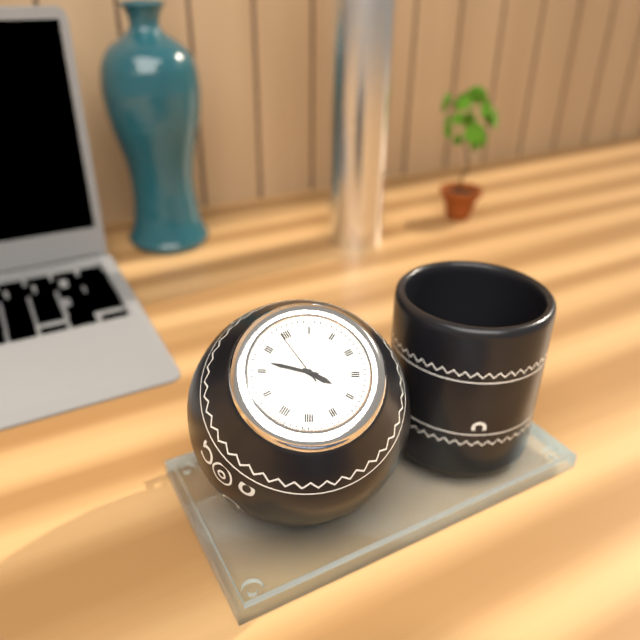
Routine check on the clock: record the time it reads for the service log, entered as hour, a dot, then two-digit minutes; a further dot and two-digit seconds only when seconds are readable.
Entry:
4.52.59
